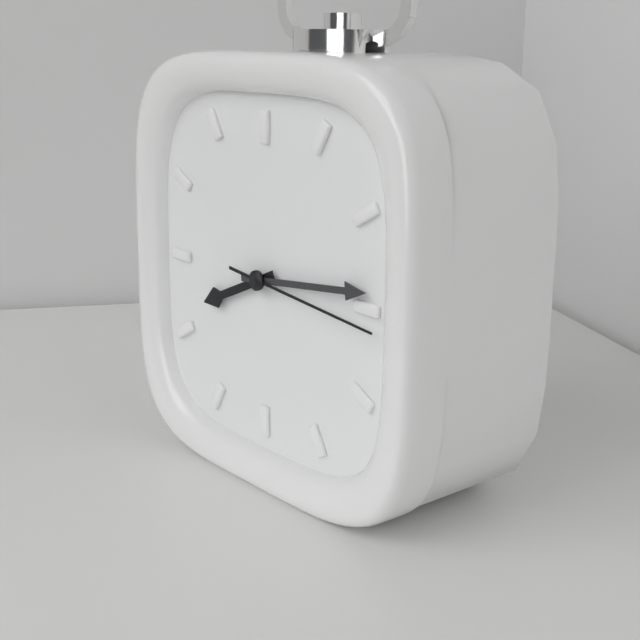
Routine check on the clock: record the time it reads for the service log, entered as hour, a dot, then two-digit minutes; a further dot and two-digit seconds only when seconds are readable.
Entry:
8.14.16
